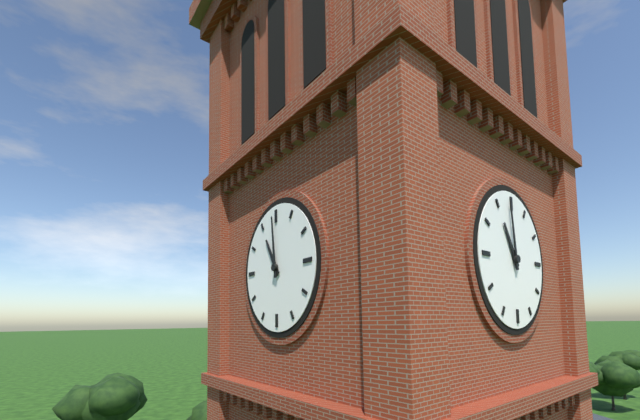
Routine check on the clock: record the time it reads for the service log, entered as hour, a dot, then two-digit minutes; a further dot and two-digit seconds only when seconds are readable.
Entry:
10.59
